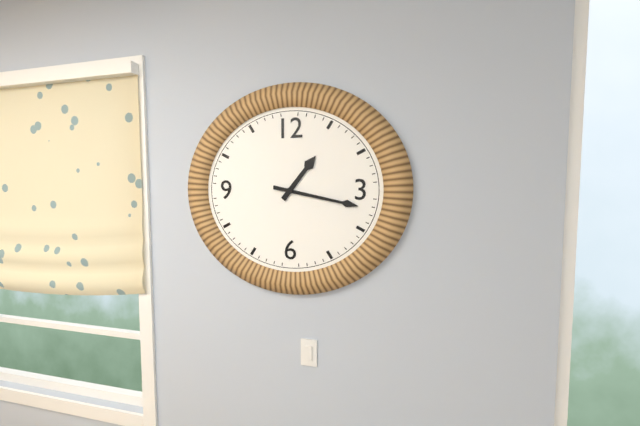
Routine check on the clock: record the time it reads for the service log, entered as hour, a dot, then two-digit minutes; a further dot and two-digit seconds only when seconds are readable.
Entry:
1.17
